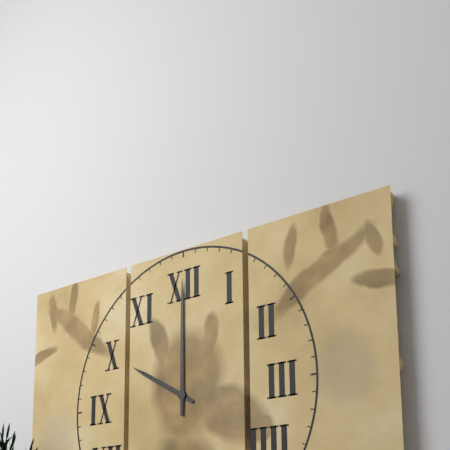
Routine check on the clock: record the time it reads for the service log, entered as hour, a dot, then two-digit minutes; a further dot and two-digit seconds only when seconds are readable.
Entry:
10.00
